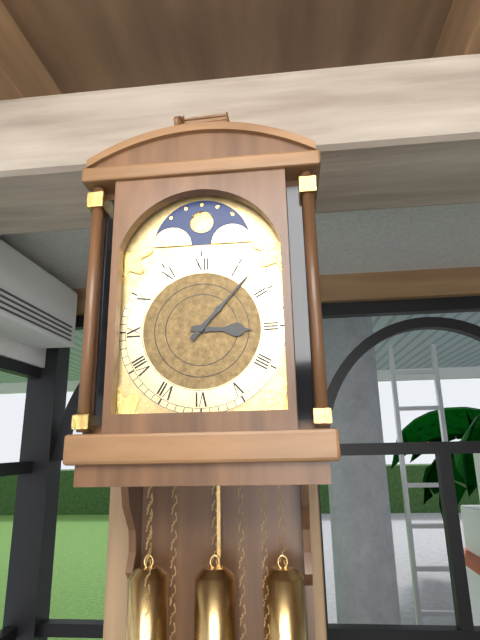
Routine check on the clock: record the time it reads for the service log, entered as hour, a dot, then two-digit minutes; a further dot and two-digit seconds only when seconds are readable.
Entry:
3.07
